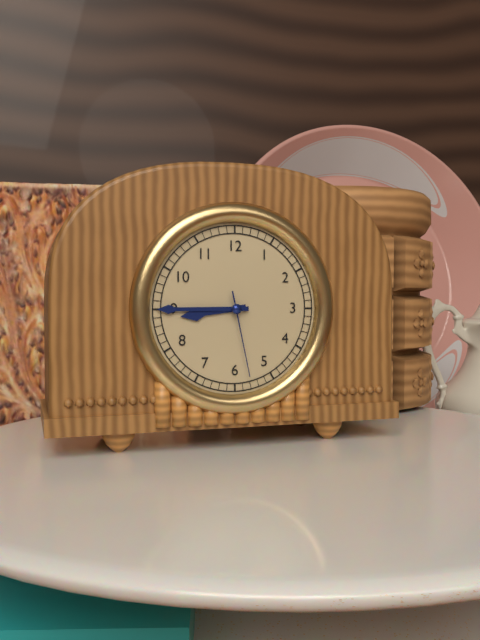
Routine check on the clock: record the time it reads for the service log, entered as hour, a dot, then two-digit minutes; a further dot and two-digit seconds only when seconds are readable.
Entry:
8.45.28
